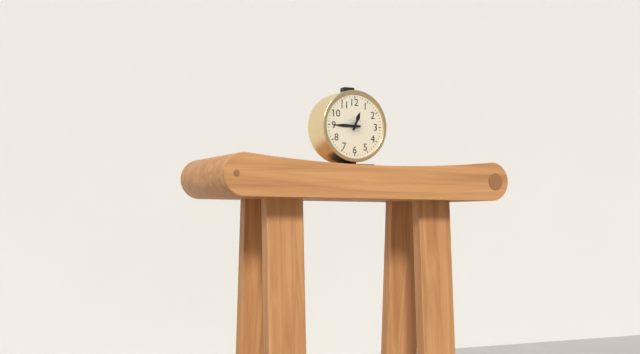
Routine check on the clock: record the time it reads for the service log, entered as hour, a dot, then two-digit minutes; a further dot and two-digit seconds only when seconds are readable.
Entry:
12.45
